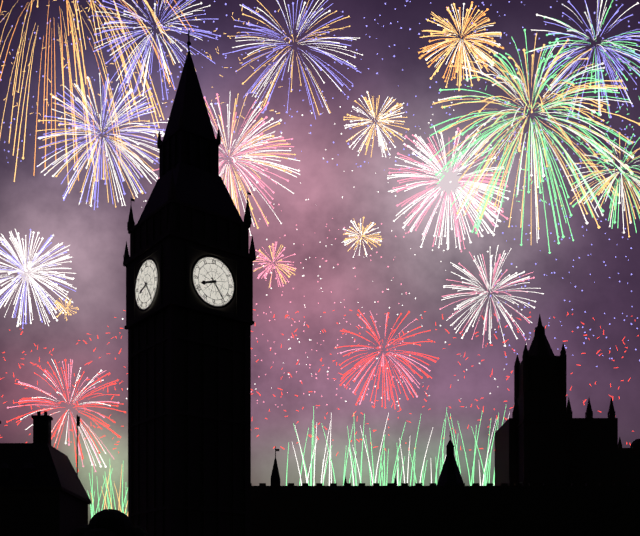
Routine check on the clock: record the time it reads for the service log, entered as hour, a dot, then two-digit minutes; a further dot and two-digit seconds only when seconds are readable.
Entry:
8.24
